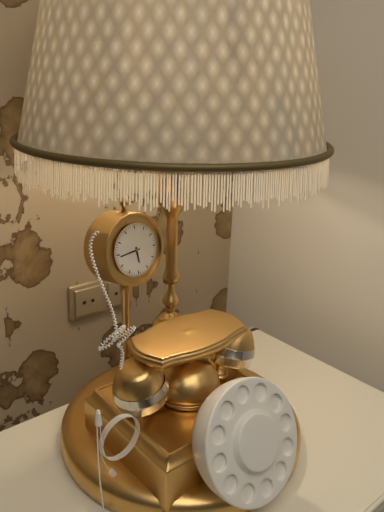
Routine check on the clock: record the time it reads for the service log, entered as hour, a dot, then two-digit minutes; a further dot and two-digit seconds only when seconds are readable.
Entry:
5.44
